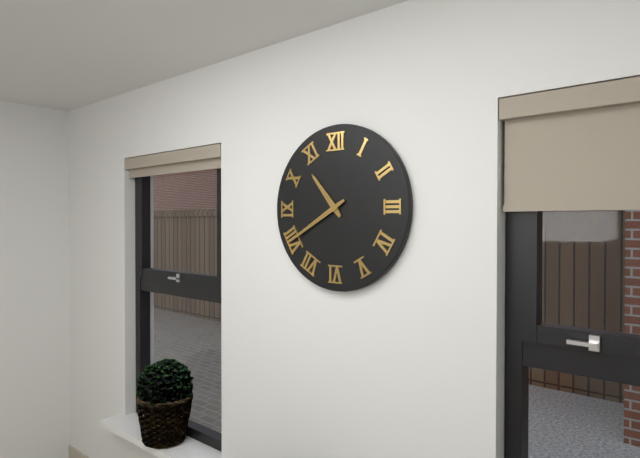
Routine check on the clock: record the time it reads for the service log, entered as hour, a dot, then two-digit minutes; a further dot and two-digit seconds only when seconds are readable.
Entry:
10.40
